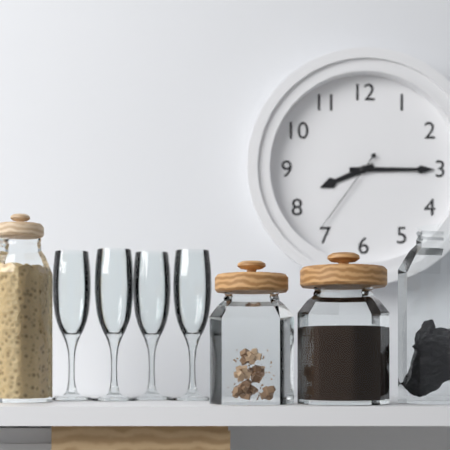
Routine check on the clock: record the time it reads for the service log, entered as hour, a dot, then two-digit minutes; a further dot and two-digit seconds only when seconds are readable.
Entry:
8.15.36
